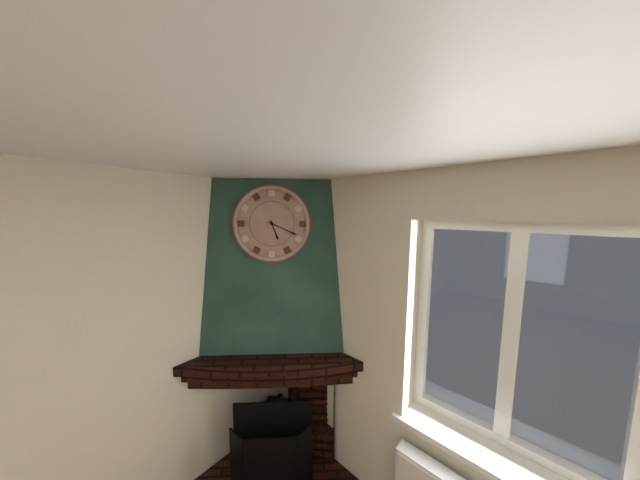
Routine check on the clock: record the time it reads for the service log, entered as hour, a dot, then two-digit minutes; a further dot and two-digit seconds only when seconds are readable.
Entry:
5.19
